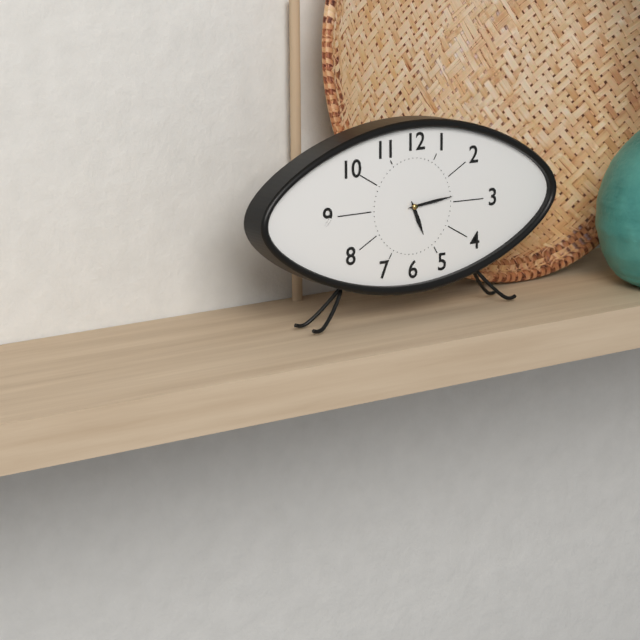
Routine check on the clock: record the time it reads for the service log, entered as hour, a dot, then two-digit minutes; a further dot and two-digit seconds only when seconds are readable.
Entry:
5.14
